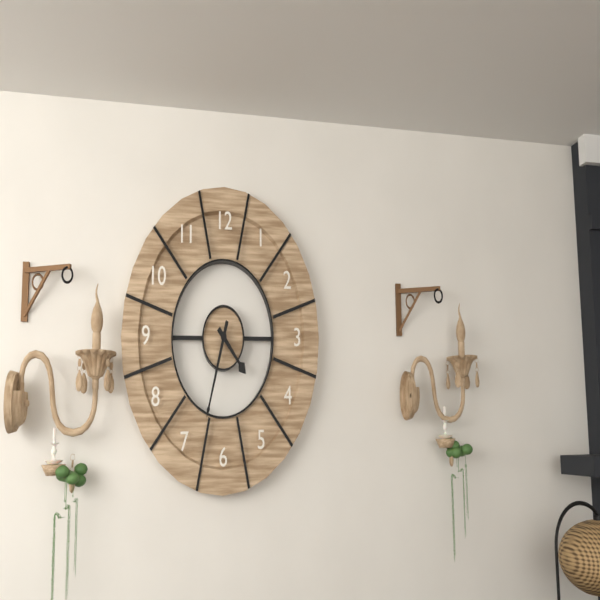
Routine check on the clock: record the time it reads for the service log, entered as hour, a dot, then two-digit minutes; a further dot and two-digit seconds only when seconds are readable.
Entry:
4.33
